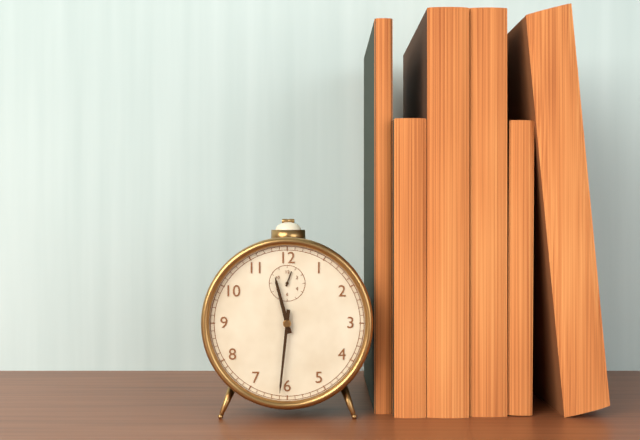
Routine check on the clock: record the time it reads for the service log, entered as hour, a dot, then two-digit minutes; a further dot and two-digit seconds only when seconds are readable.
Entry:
11.31
